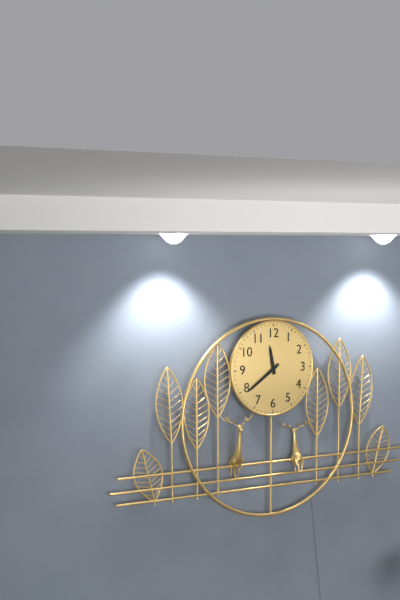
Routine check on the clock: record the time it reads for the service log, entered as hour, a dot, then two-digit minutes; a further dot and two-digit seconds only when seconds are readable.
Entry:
11.39
